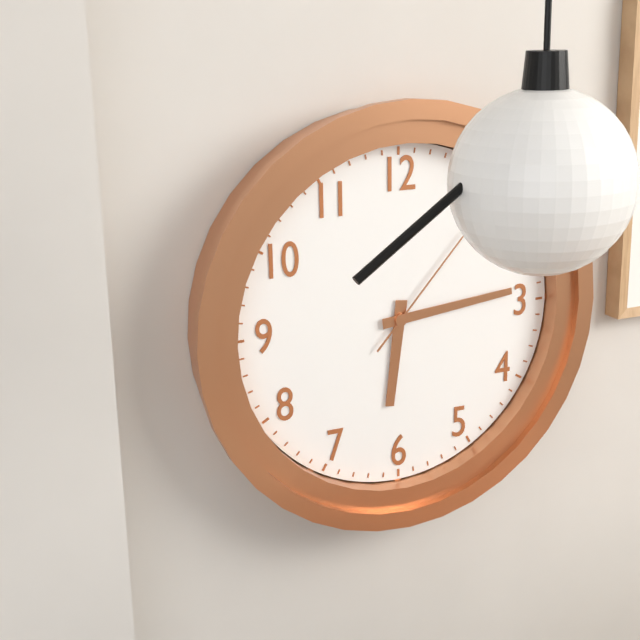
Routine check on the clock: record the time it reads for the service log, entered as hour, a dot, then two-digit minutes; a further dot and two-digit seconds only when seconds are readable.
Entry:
6.14.07
